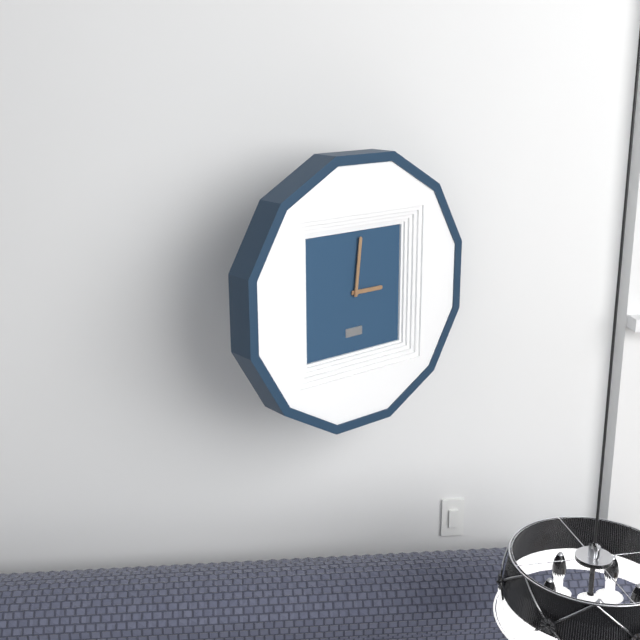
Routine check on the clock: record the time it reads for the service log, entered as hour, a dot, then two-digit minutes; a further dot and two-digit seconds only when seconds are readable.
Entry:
3.01
